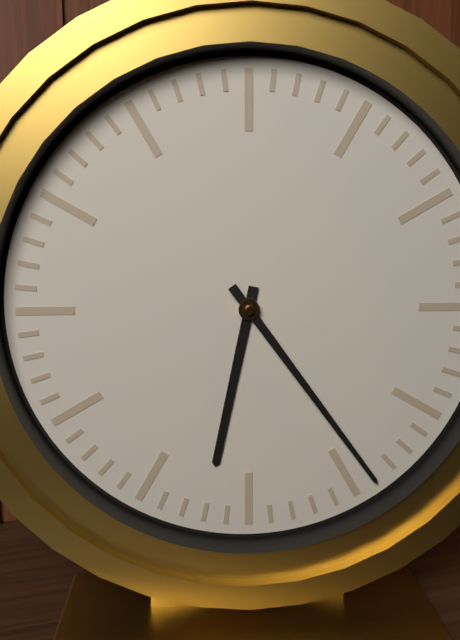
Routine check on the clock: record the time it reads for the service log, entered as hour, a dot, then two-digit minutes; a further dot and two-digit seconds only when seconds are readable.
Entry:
6.24
